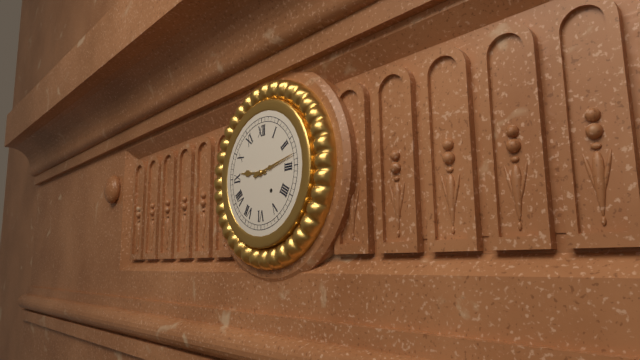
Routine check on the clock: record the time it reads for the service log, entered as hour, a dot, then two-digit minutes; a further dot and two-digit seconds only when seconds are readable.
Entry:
9.13
